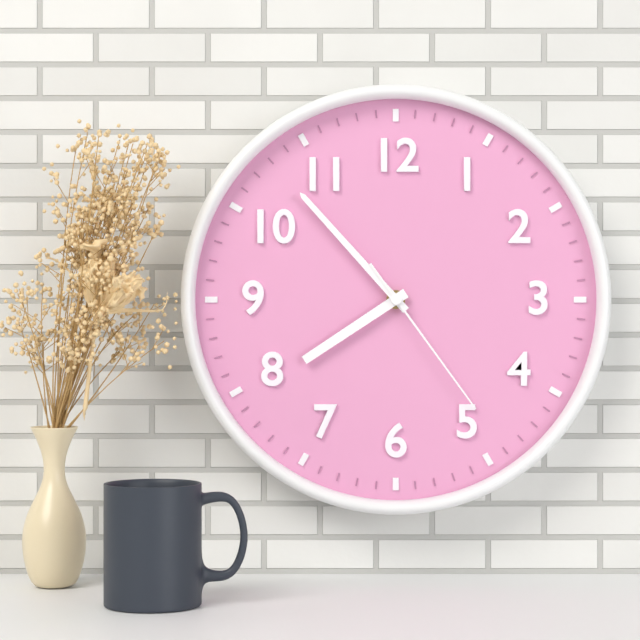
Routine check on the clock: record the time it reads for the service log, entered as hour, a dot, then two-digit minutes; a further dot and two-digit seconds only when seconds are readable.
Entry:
7.53.24
